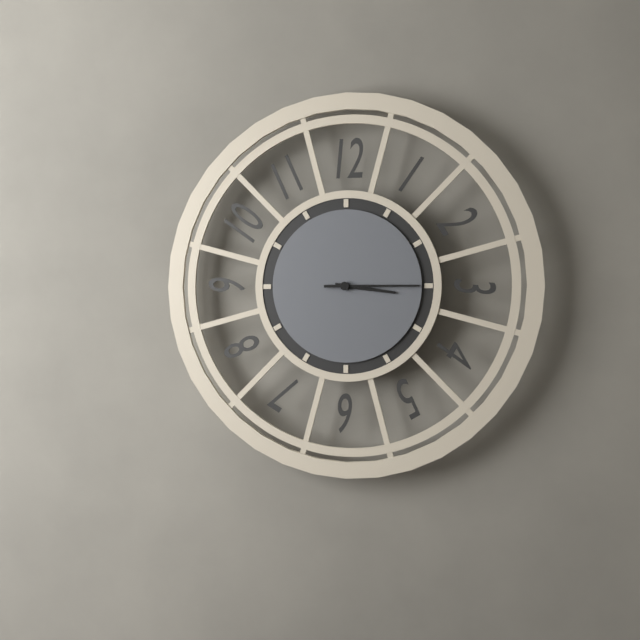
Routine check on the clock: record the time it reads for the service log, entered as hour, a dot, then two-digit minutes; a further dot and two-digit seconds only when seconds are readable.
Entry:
3.15
